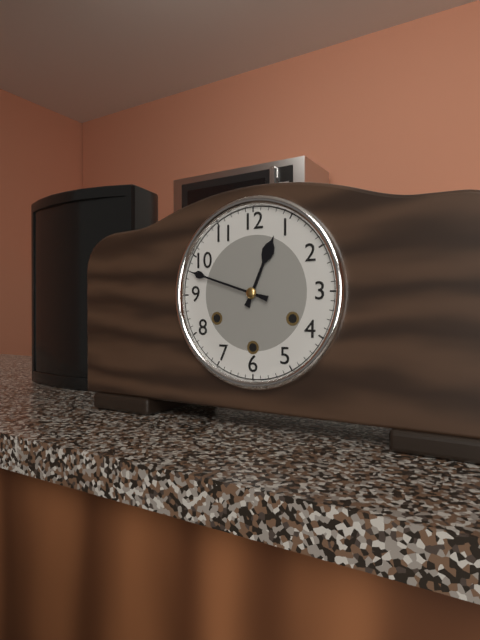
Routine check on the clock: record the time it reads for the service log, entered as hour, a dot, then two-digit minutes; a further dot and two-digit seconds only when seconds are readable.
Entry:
12.48
